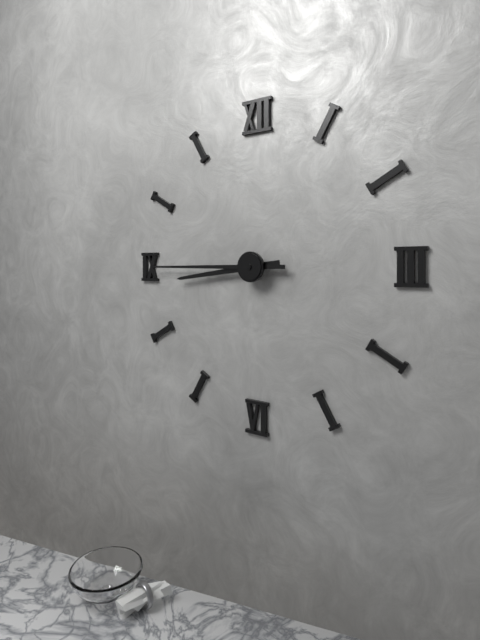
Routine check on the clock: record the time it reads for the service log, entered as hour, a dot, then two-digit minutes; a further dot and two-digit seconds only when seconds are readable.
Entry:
8.45
